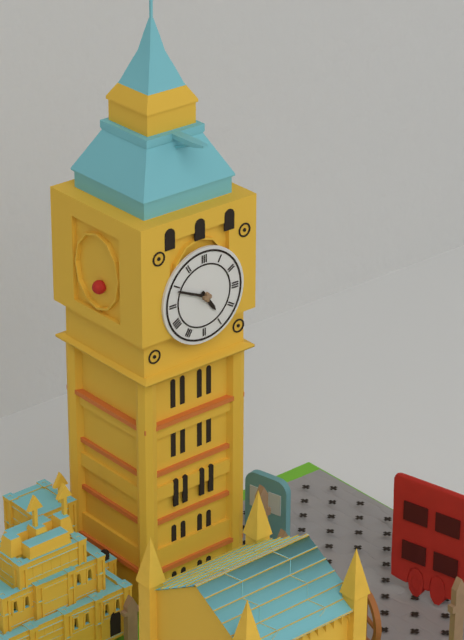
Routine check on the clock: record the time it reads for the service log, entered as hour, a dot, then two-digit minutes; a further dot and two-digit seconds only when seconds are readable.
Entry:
4.49
